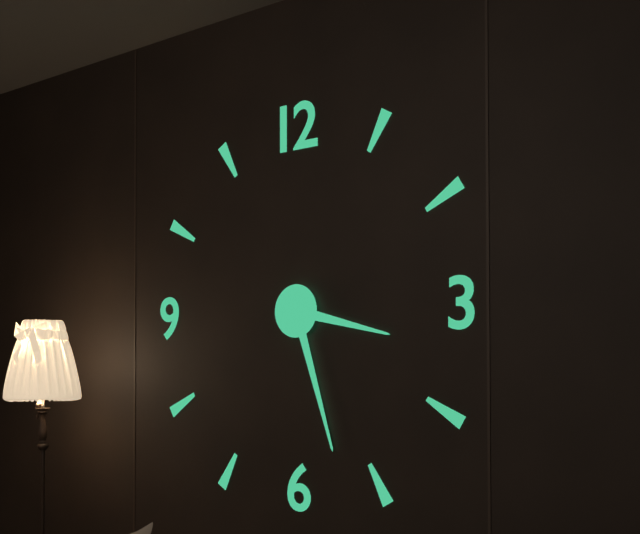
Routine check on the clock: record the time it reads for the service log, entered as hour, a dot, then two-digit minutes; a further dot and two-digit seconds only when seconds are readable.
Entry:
3.27
